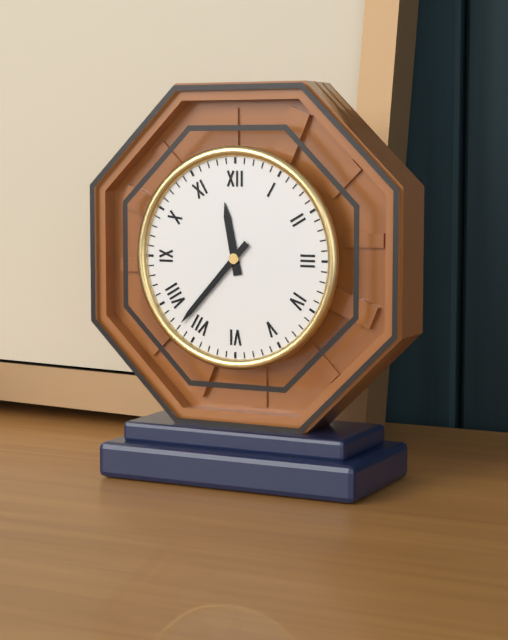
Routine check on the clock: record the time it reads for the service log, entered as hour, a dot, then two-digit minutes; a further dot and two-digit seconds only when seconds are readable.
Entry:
11.37
